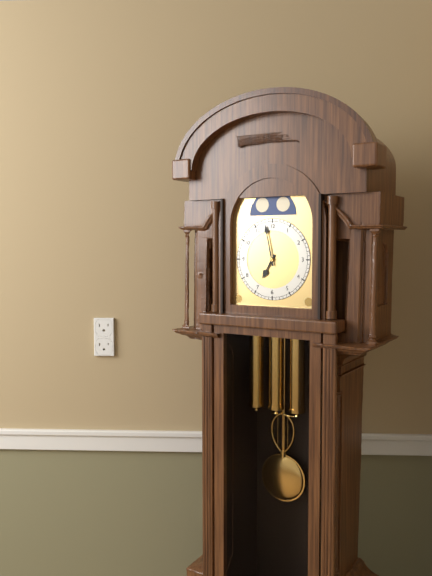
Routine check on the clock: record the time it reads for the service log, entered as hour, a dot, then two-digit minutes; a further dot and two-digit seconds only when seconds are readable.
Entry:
6.58
